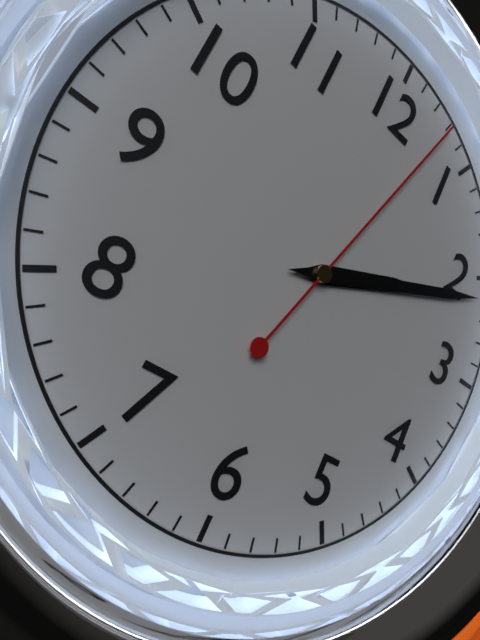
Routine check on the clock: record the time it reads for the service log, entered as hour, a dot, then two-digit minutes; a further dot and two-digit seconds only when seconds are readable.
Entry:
2.11.03
